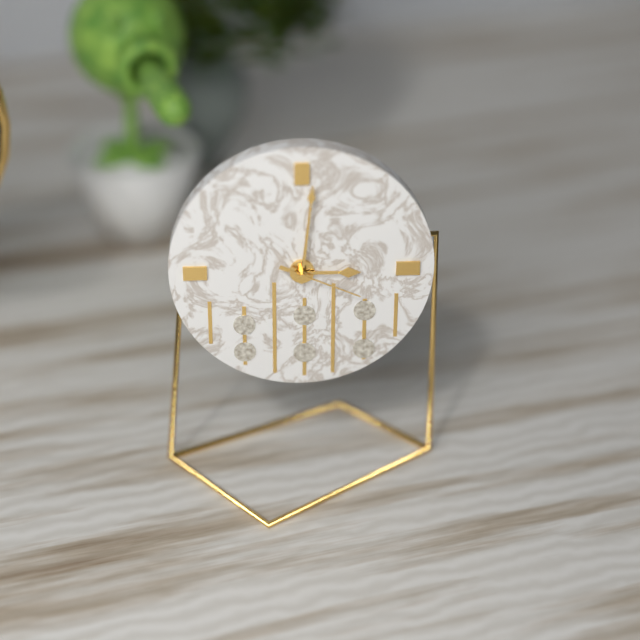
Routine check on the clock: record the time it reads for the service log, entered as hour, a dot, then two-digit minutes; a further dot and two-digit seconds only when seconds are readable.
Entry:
3.01.19
